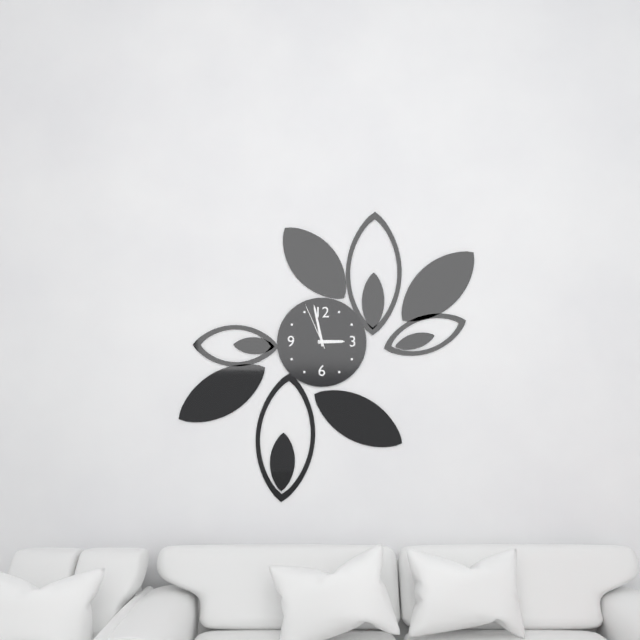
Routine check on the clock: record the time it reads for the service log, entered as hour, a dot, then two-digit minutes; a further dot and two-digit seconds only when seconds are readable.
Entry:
2.58.56
